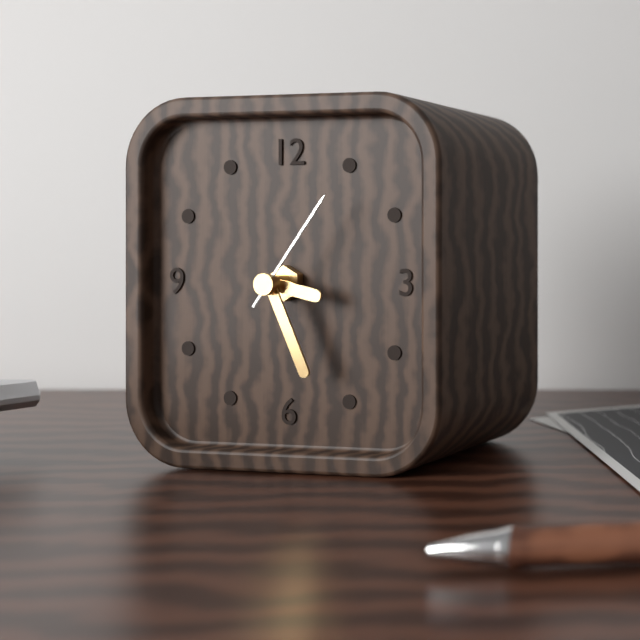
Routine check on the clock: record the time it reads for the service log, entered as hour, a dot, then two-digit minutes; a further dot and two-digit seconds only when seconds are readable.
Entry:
3.26.06
